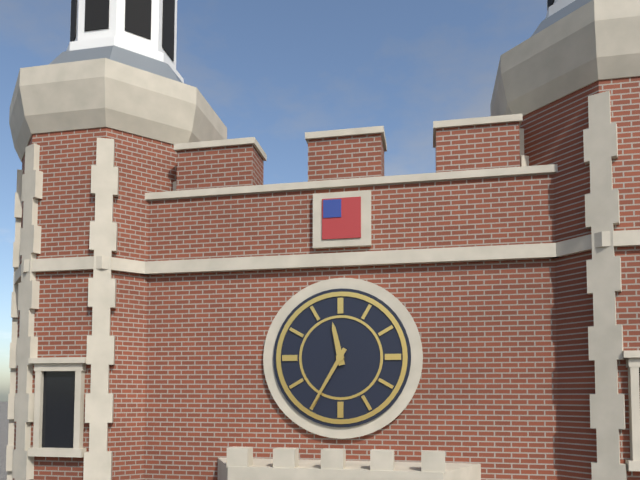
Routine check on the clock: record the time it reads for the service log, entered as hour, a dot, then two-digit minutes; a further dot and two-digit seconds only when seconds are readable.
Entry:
11.35
